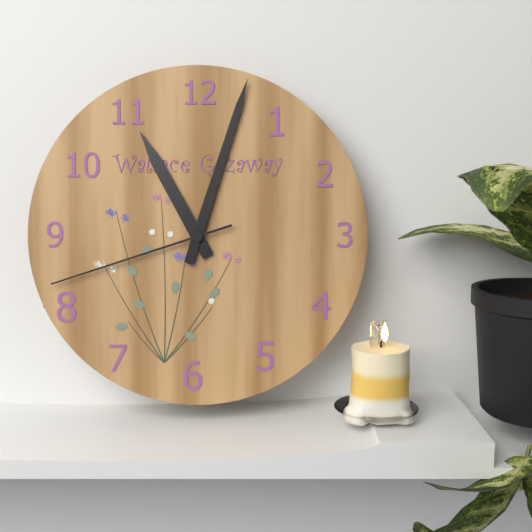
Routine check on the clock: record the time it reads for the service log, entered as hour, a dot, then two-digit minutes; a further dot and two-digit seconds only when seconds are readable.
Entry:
11.03.42
